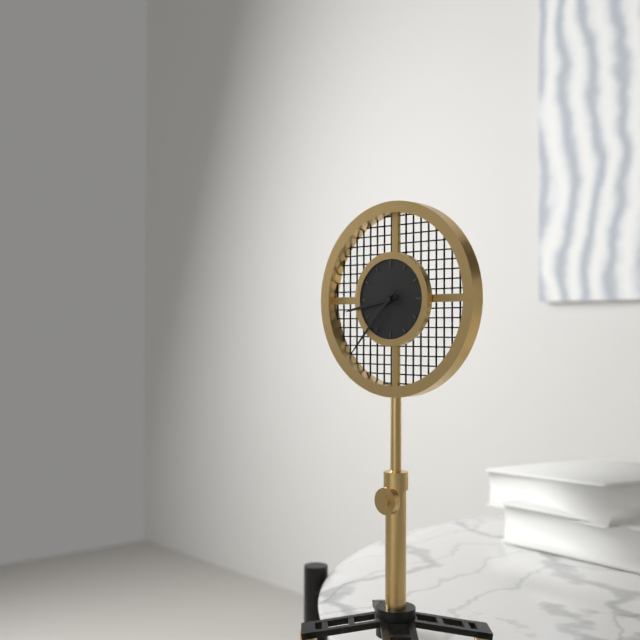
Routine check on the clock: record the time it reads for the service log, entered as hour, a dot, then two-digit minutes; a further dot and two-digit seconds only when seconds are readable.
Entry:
8.37
